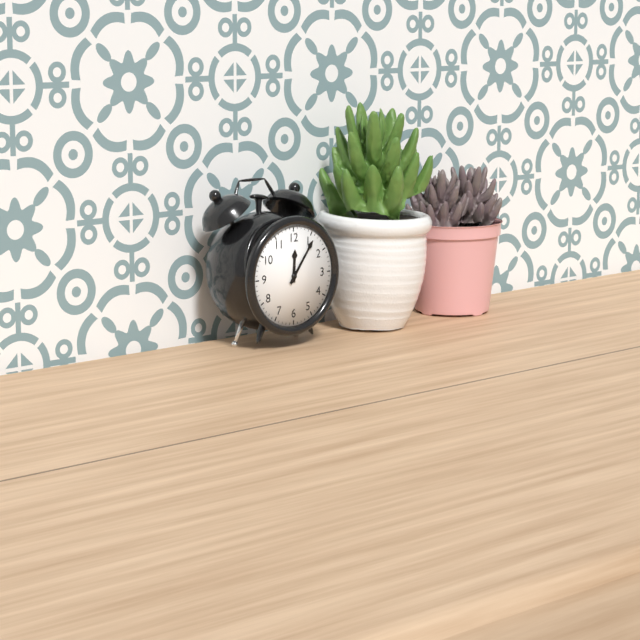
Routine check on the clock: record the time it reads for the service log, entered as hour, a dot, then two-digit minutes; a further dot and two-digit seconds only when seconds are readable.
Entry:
12.06
